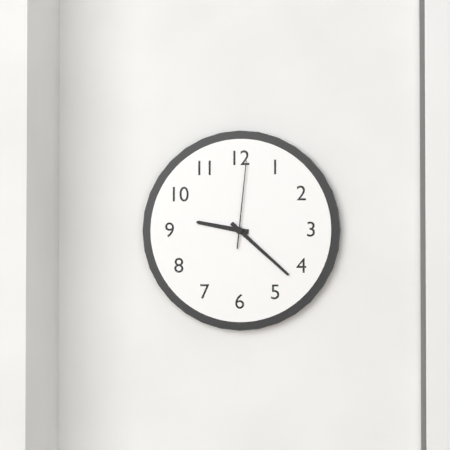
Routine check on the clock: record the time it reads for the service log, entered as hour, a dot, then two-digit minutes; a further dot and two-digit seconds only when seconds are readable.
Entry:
9.22.01
